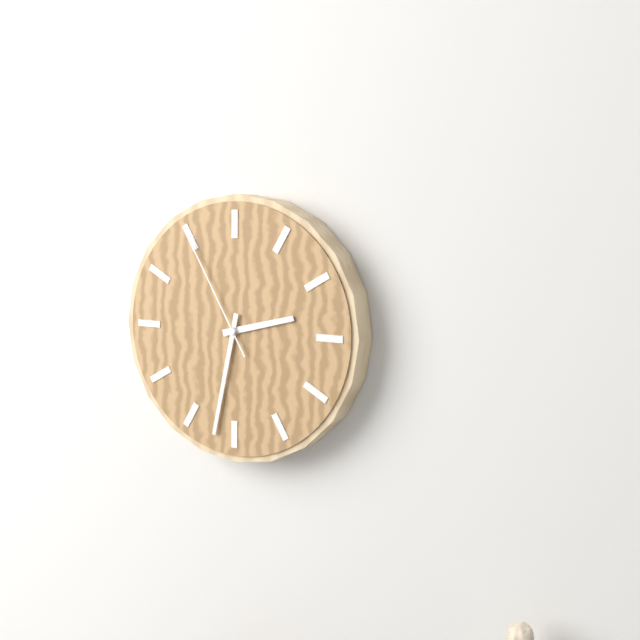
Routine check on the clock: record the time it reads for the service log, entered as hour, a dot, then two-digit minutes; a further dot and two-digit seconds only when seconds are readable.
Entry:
2.32.55
